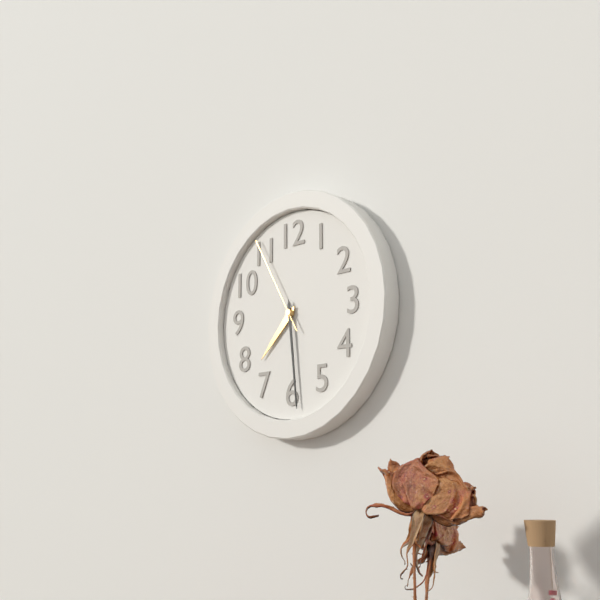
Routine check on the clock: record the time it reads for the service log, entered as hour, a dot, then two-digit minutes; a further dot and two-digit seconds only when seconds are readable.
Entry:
7.29.55
